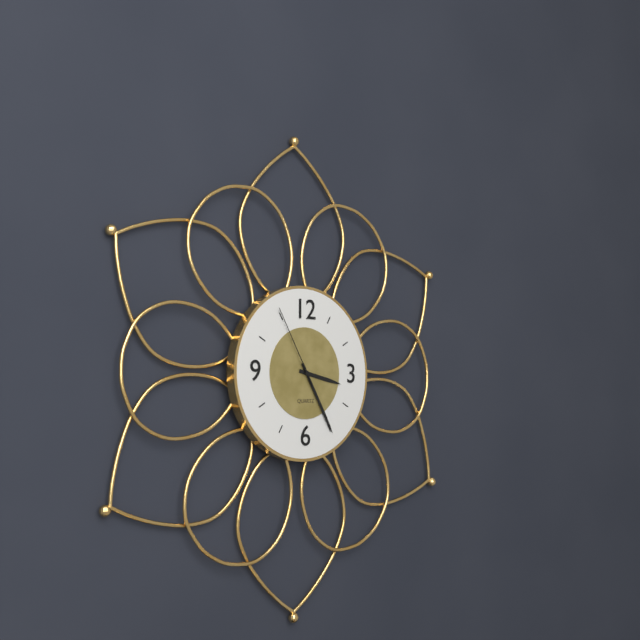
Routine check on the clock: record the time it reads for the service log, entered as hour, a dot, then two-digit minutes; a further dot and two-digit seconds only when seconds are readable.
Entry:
3.25.55
